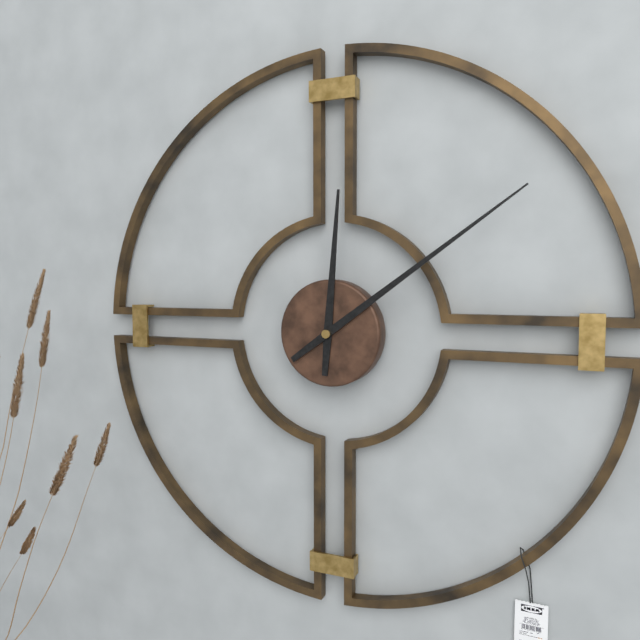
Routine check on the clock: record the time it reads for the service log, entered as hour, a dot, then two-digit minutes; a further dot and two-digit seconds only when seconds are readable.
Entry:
12.09
